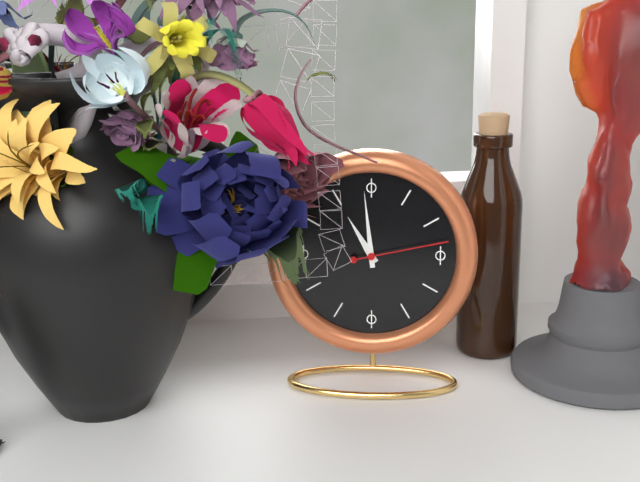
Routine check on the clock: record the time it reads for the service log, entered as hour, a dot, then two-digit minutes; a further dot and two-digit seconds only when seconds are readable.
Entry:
10.59.13
